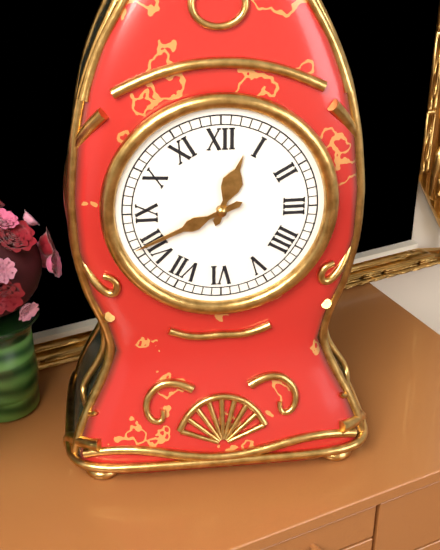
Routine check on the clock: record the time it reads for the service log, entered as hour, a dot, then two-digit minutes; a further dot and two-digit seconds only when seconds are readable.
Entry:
12.41
